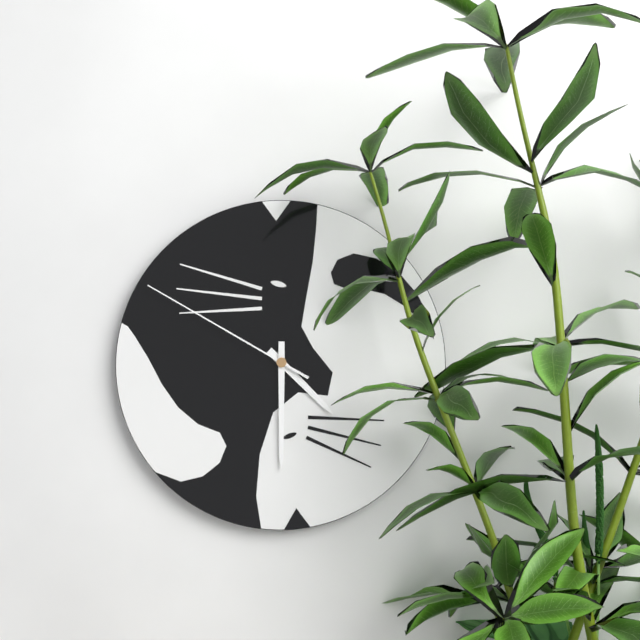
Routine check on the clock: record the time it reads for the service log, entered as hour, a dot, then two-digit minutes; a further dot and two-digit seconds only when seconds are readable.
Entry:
4.30.50
